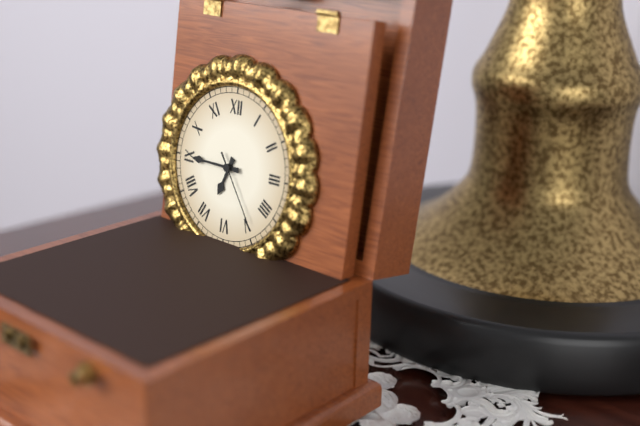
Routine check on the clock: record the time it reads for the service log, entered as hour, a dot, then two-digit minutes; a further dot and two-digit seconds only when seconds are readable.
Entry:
6.45.24
